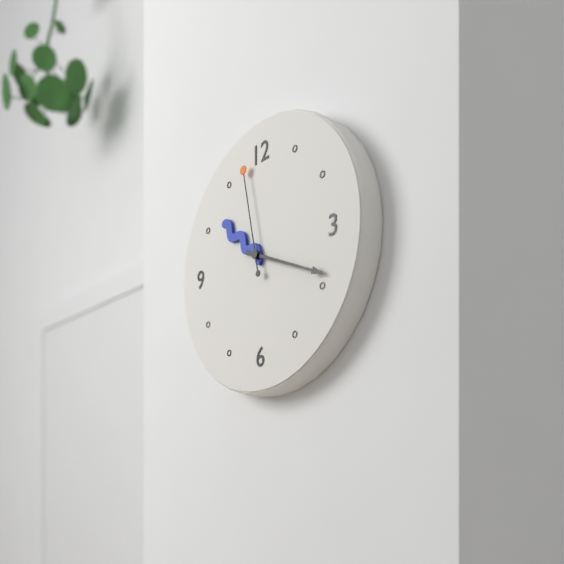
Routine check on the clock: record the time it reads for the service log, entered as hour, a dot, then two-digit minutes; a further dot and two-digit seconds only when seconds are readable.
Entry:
10.19.58
